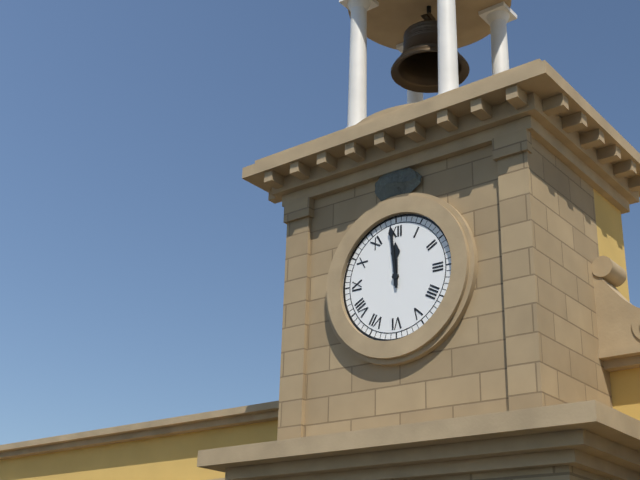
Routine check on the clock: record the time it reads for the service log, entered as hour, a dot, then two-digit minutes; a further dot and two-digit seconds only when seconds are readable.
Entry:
11.59
